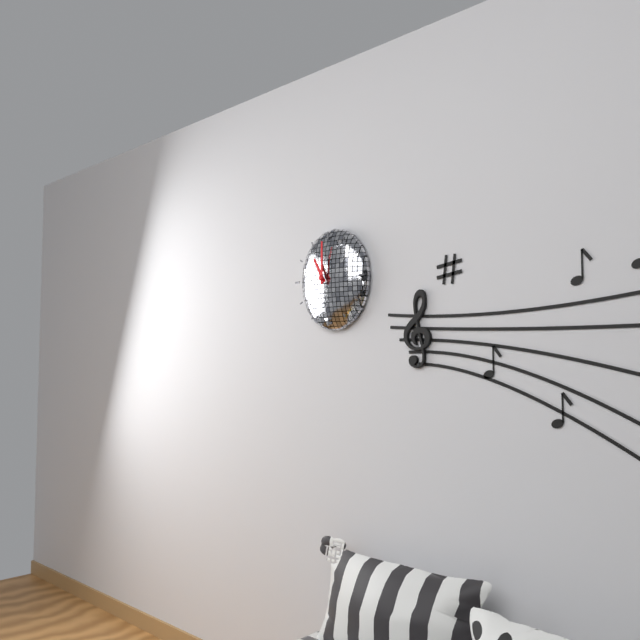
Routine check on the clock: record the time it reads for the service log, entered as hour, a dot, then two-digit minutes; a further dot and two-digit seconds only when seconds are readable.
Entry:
11.00
